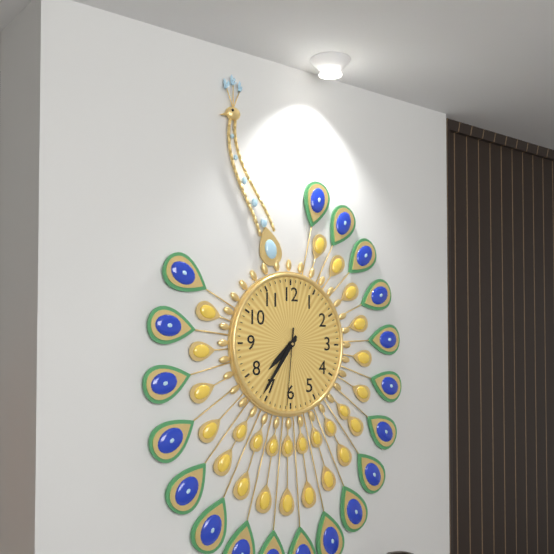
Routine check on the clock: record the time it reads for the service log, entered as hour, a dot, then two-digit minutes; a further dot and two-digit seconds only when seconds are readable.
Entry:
7.36.31
